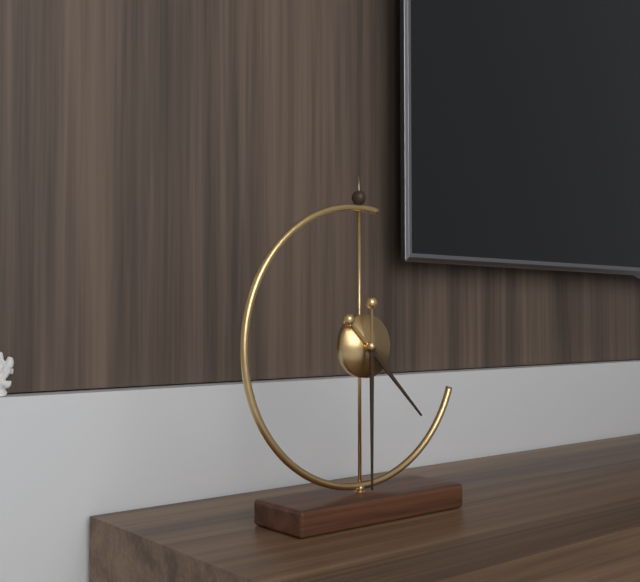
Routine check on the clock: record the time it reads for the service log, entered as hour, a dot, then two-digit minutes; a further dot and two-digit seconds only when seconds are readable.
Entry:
4.30
